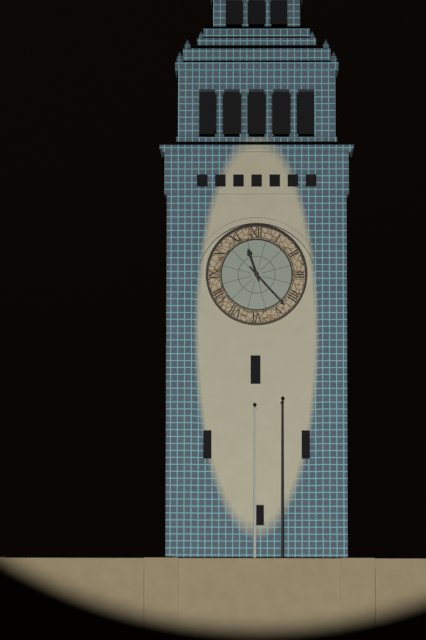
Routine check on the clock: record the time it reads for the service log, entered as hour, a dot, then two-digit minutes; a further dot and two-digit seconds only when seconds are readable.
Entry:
11.23
